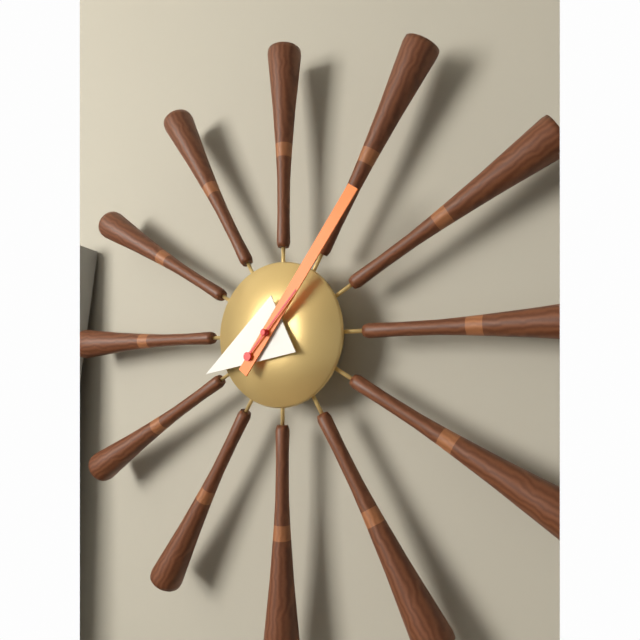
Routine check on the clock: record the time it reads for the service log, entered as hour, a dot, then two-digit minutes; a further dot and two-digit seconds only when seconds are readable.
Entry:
8.06.07
